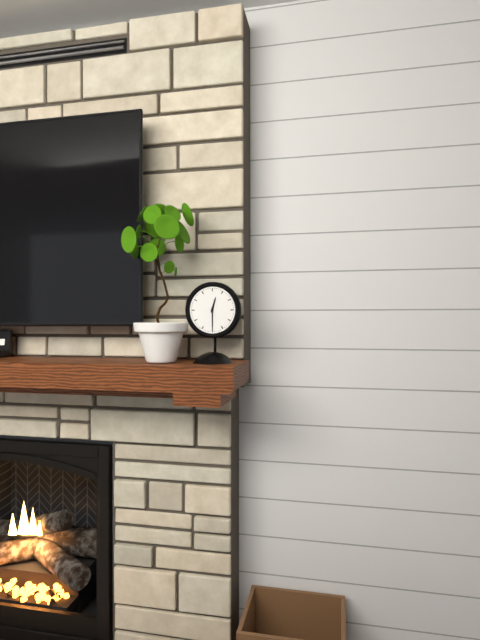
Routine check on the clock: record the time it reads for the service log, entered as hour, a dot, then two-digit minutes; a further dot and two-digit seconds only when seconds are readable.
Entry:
12.30
